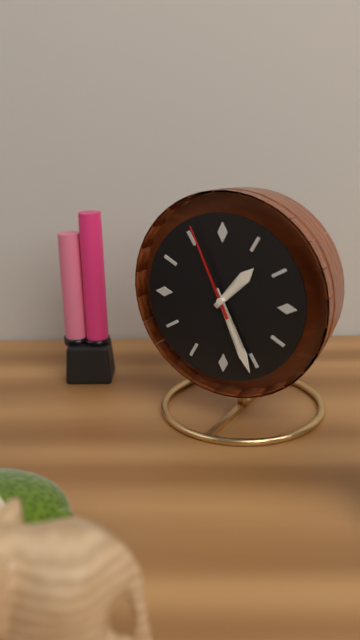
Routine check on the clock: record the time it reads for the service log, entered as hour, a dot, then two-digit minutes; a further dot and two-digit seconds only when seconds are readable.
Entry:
1.26.56
